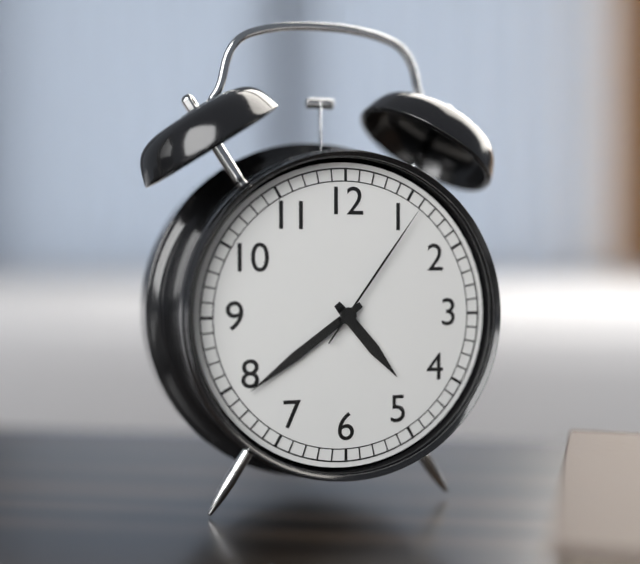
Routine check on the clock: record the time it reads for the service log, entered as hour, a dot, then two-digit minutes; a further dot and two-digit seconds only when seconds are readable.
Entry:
4.39.06
